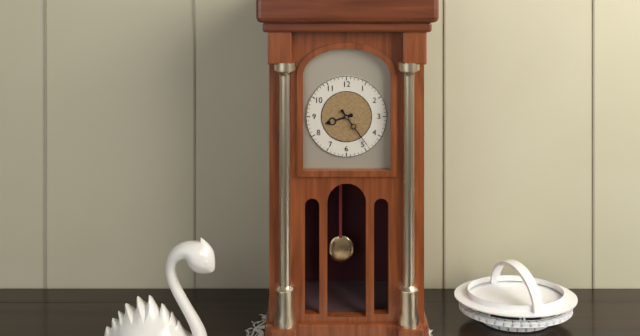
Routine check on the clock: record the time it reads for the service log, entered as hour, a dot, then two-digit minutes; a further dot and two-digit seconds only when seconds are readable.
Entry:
8.24
